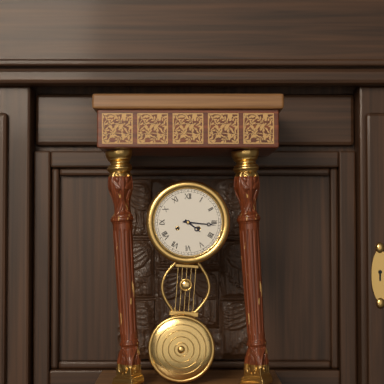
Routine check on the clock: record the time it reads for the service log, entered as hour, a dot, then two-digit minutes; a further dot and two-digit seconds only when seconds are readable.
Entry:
4.16
